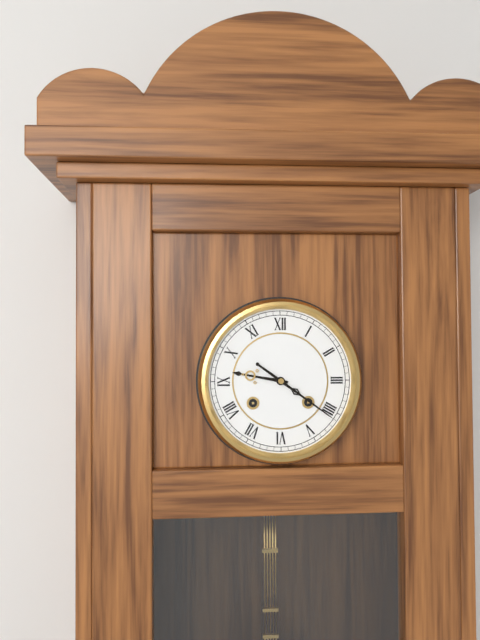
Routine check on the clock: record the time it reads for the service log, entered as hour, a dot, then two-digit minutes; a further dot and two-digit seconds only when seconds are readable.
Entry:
9.21
